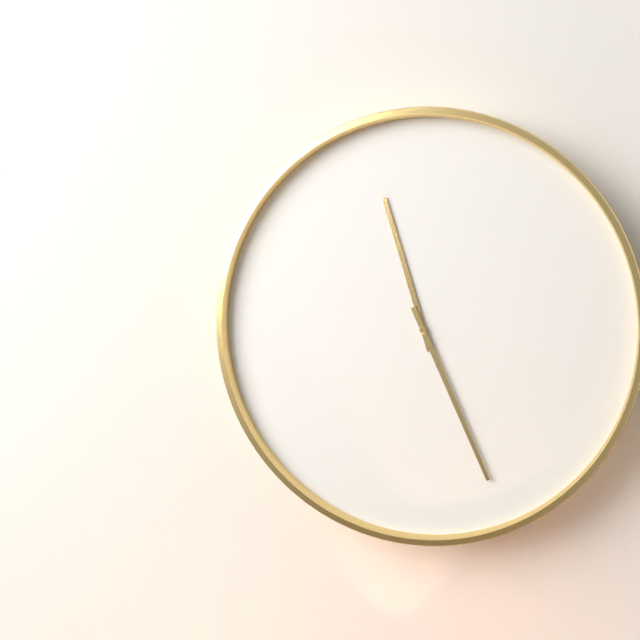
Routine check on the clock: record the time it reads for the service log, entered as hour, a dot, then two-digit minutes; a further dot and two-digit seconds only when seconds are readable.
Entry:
11.26
